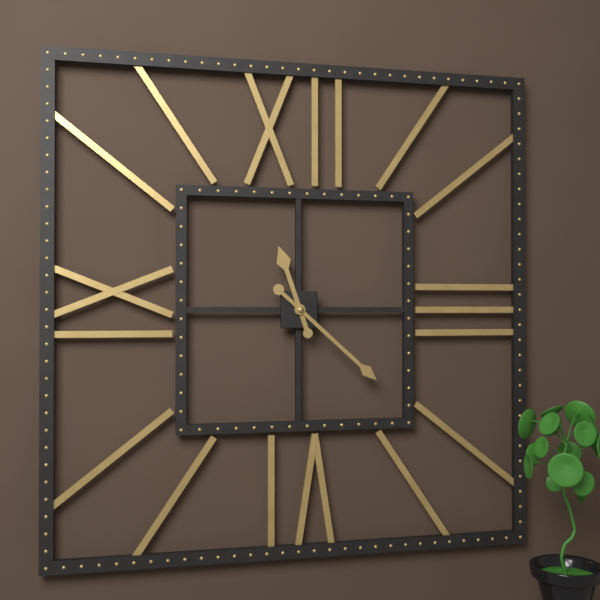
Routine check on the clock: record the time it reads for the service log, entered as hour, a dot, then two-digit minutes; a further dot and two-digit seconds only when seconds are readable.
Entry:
11.22
